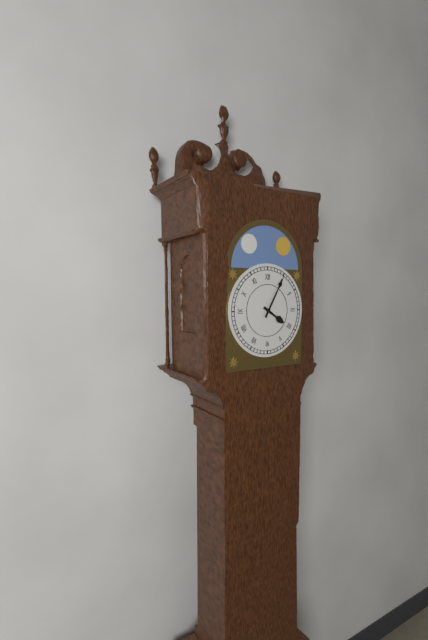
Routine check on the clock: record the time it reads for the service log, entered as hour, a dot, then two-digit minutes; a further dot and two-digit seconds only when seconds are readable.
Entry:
4.05
